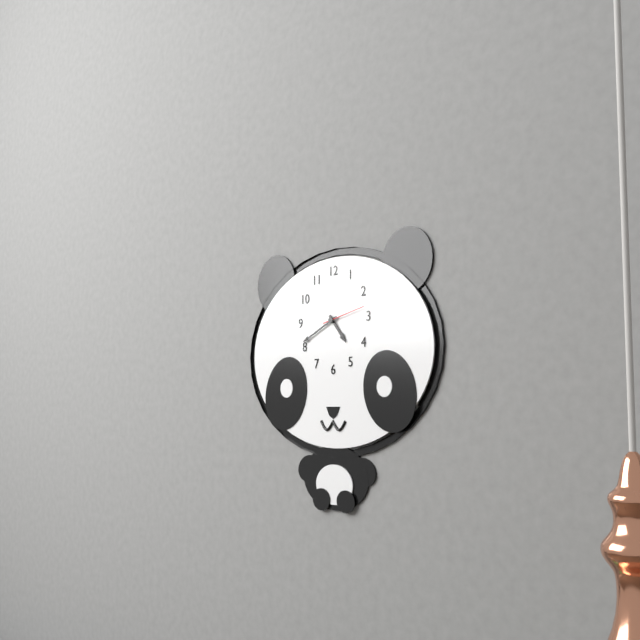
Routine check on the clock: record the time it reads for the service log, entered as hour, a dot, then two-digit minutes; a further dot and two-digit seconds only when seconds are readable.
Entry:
4.41
